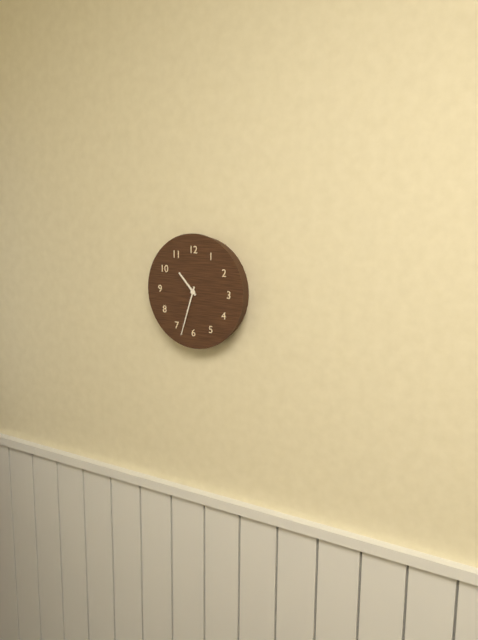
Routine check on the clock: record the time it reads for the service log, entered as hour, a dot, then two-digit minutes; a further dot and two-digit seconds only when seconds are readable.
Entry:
10.33
